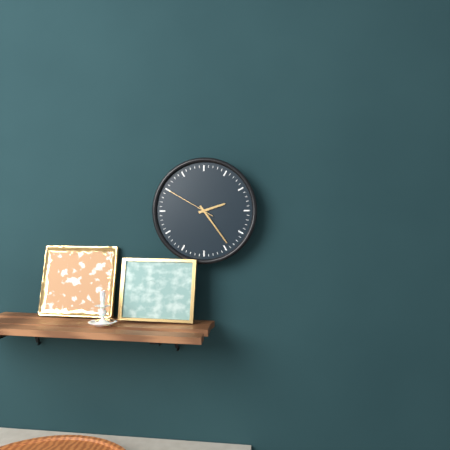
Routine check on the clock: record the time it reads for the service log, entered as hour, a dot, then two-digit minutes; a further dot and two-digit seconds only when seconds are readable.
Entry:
2.24.50
